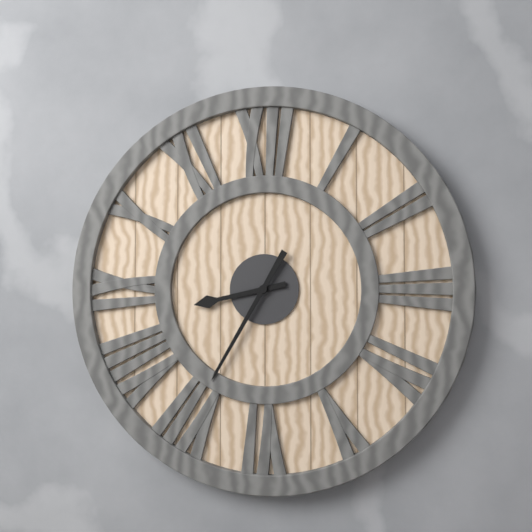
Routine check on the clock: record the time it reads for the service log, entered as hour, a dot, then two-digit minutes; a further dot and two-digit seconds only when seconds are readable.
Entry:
8.35
